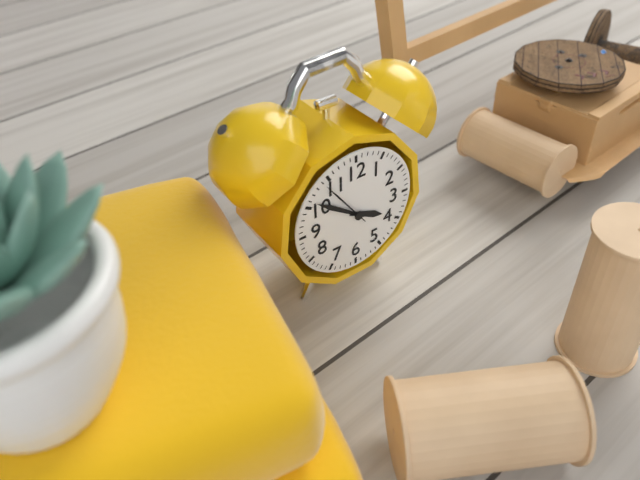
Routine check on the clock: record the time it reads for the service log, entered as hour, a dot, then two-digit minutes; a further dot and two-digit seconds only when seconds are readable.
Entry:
3.51
